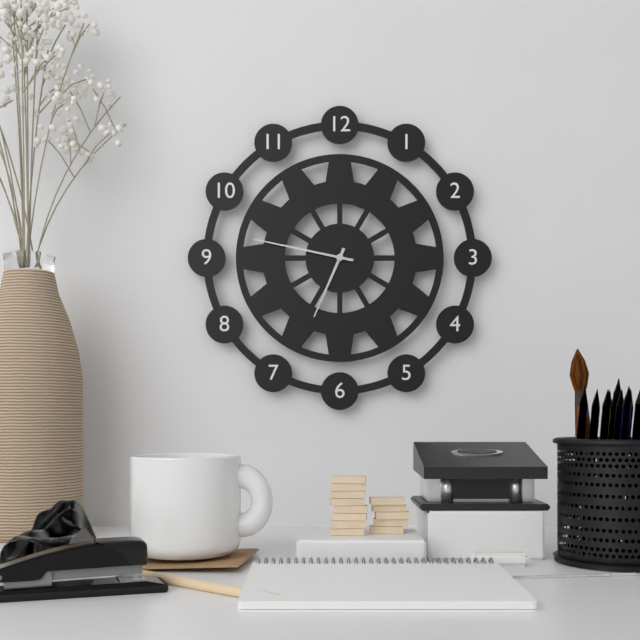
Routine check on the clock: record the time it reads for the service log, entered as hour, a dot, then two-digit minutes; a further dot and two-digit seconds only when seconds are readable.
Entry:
6.47
